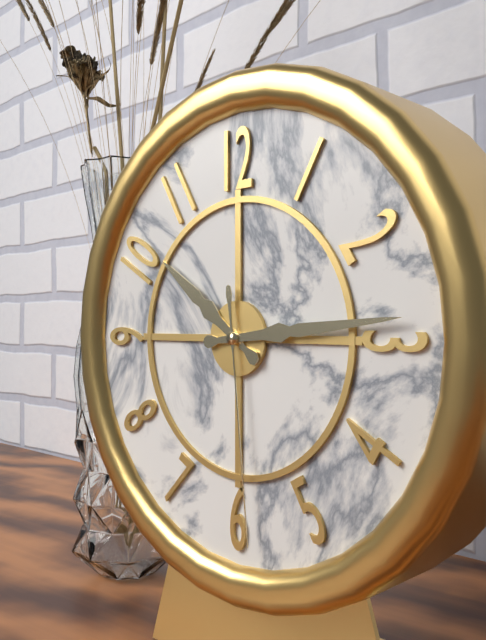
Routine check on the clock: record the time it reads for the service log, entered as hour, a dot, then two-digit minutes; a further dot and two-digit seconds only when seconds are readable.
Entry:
10.14.29
